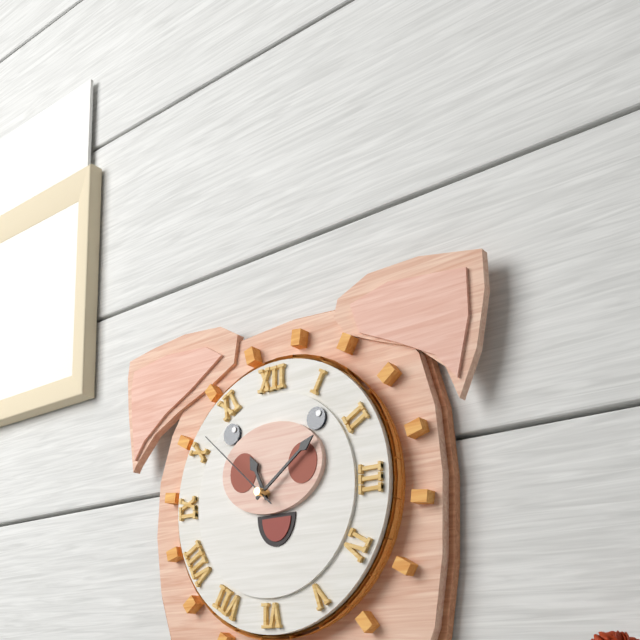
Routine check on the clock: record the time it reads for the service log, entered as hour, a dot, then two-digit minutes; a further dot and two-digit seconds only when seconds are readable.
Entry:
11.09.52
